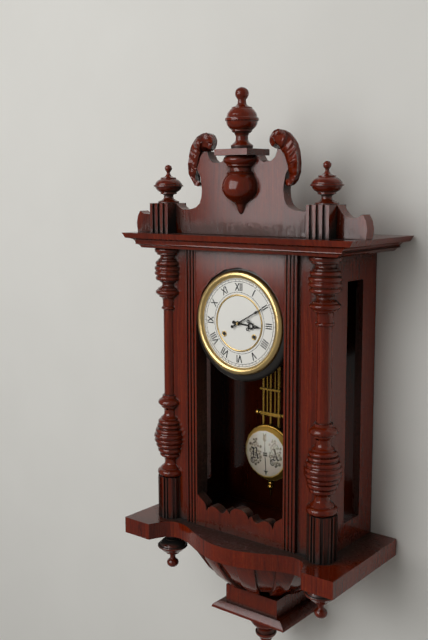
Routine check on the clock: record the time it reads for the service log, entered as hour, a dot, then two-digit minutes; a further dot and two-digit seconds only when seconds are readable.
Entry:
3.10
